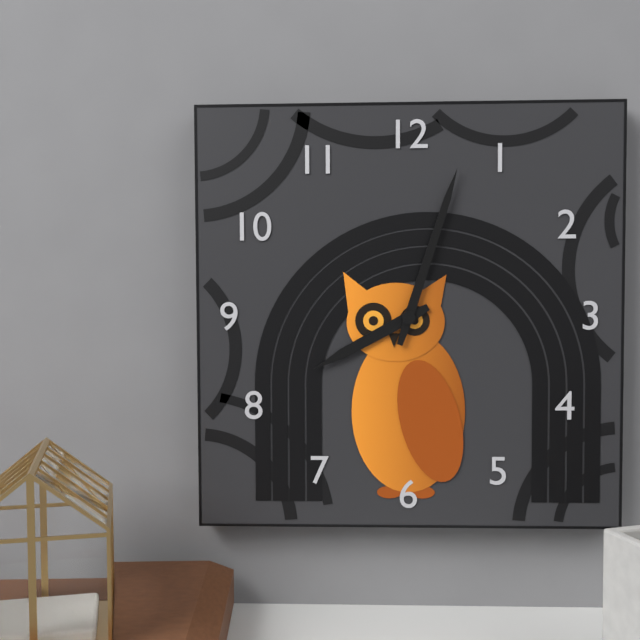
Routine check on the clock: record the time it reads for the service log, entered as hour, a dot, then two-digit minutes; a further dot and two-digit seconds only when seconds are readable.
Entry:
8.03
